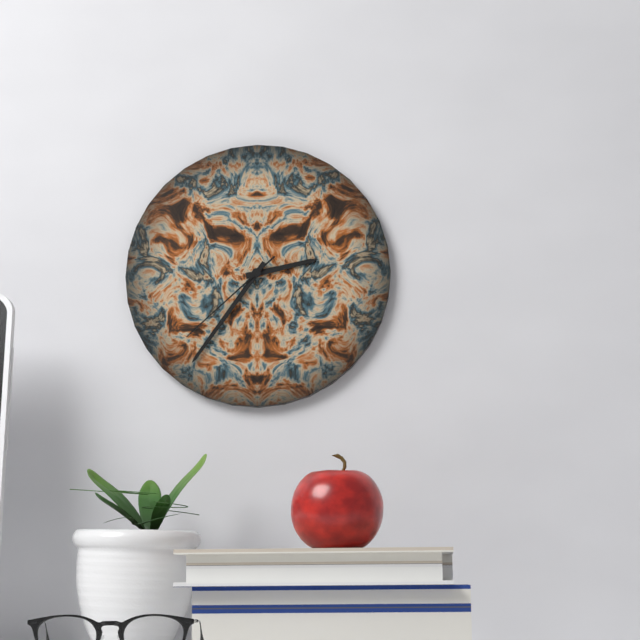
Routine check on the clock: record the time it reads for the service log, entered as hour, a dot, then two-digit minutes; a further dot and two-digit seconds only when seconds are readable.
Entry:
2.36.38
